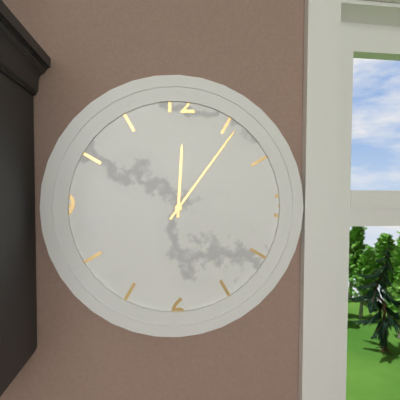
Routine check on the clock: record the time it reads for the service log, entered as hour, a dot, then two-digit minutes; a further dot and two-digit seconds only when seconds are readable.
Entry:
12.06
